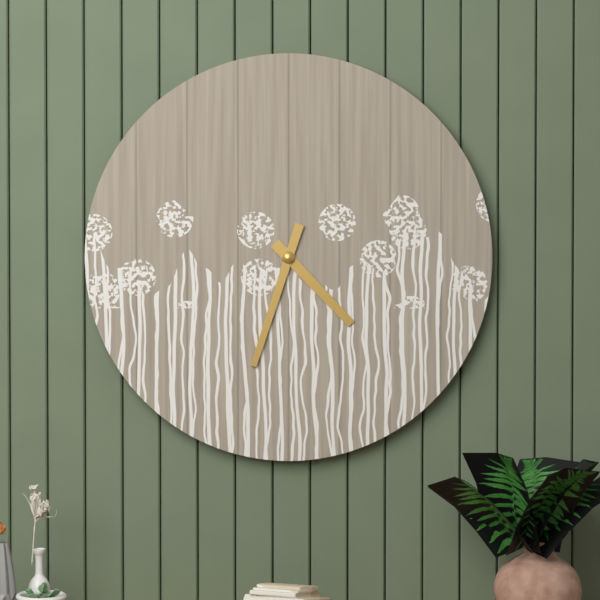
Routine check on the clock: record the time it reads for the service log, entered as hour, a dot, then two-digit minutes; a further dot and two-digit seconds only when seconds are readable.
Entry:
4.33
